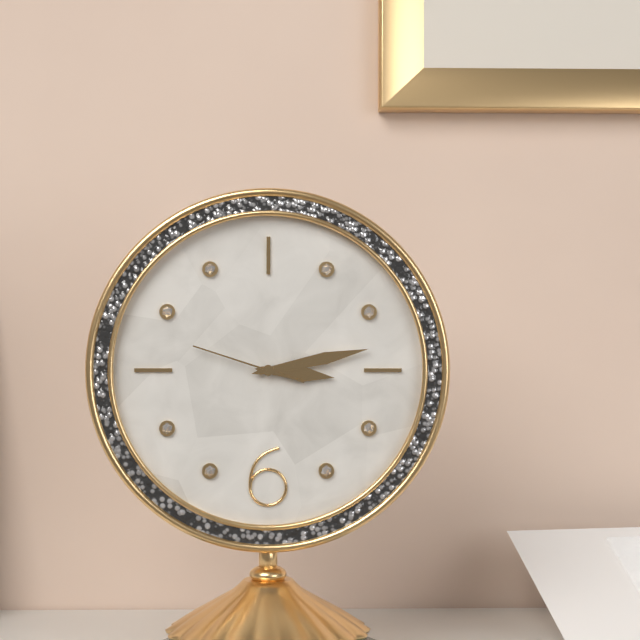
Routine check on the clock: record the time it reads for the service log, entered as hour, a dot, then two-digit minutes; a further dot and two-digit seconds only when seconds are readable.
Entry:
3.13.48
